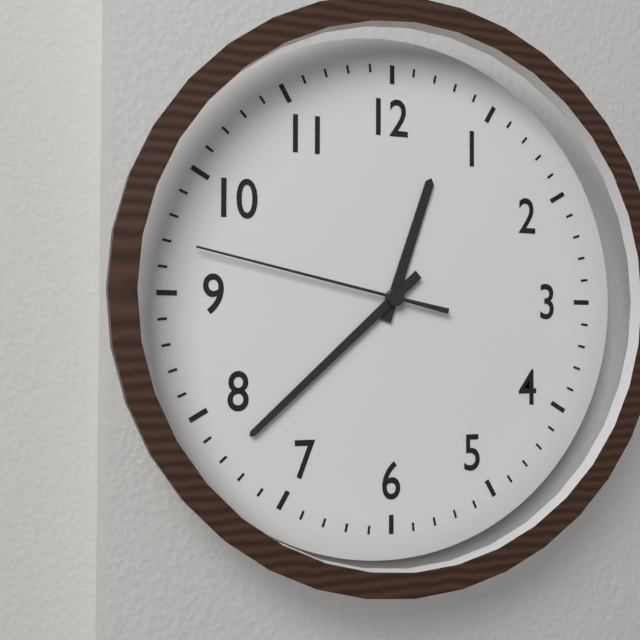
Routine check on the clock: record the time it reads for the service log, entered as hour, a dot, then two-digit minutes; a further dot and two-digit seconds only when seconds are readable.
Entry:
12.38.47
